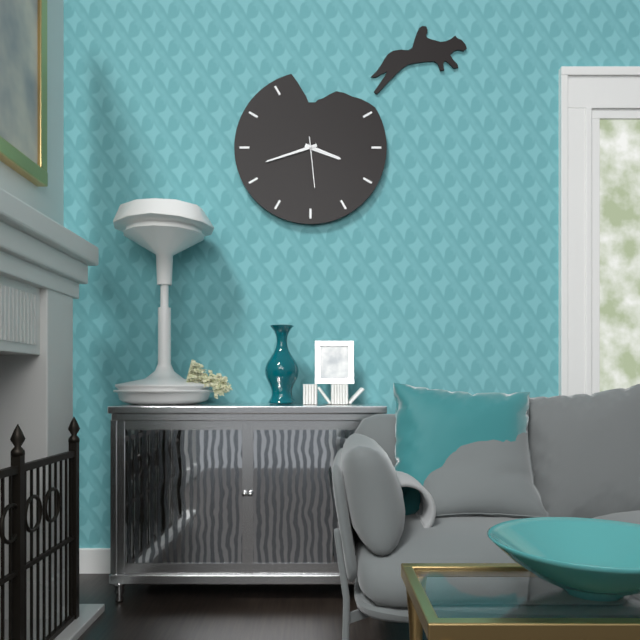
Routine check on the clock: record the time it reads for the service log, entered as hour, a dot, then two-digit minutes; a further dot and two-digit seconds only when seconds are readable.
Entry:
3.42.29
